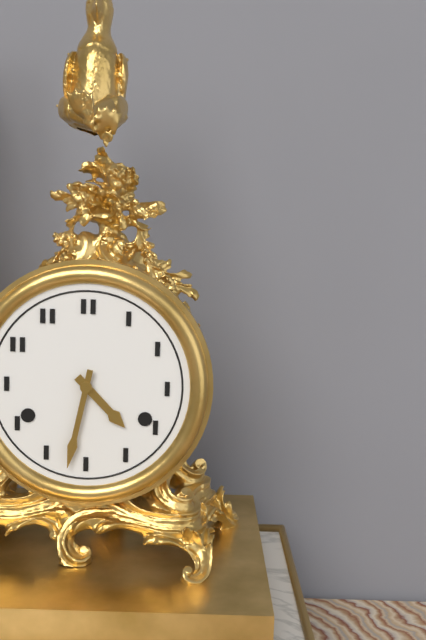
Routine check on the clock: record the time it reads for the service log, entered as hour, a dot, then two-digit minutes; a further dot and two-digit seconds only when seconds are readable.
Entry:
4.32
